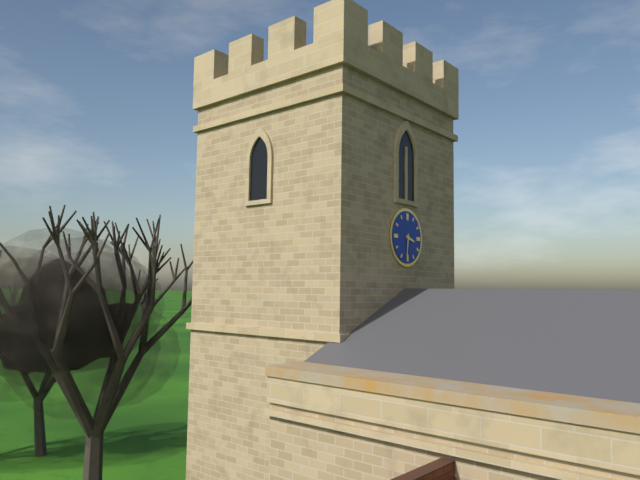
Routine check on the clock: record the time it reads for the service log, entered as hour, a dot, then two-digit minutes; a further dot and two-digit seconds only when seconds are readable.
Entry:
3.31
